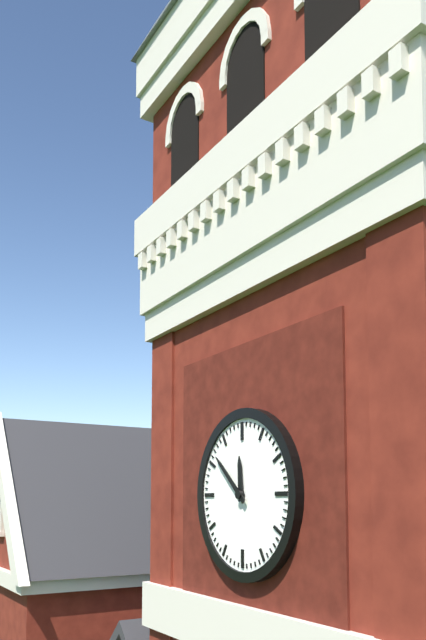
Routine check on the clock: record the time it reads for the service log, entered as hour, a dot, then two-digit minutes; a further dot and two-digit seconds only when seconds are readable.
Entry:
11.52
